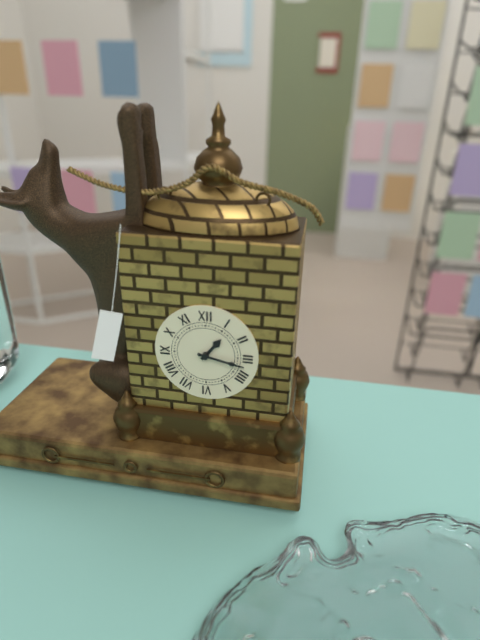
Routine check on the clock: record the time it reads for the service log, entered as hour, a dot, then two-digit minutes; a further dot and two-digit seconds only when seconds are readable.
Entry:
1.17
